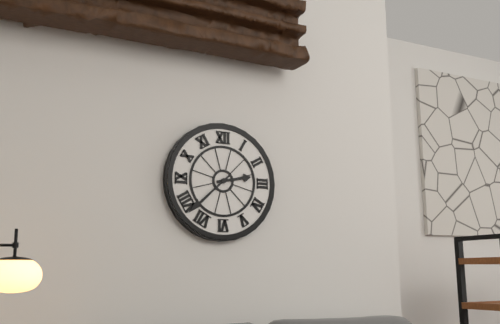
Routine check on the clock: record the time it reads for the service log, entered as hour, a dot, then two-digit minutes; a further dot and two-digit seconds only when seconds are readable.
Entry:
2.38
